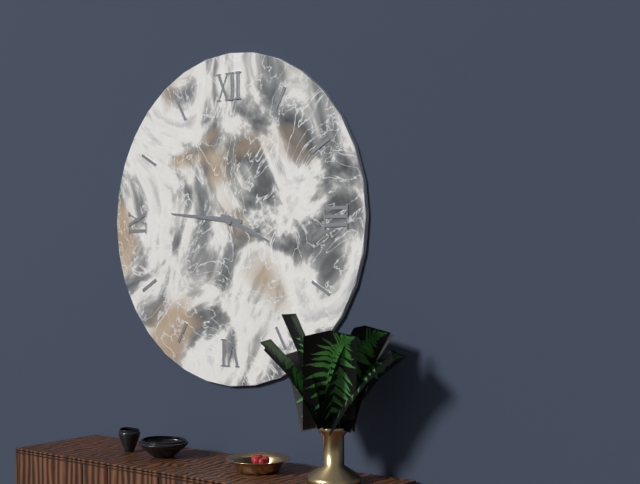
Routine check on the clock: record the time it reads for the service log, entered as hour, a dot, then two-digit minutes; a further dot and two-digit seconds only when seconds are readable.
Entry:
3.46
